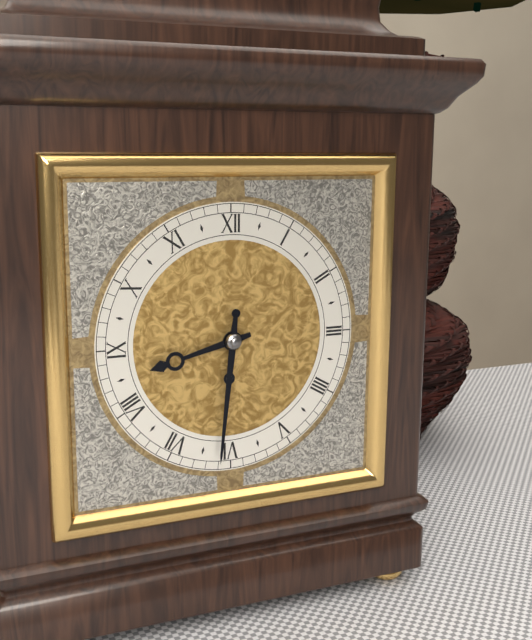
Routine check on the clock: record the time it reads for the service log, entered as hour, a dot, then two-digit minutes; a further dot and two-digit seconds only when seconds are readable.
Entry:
8.31
